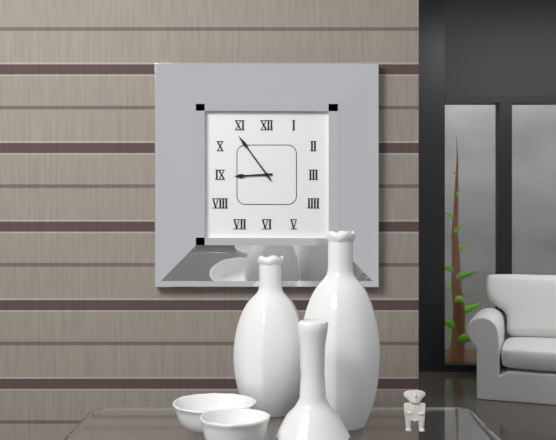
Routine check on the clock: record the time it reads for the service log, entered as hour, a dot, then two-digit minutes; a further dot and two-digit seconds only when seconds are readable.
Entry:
8.54
